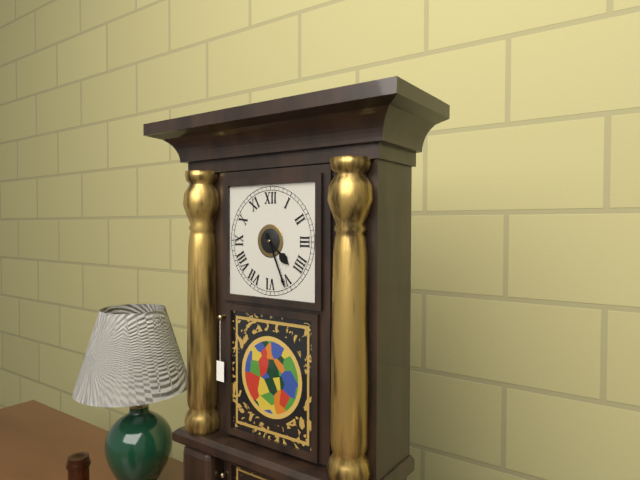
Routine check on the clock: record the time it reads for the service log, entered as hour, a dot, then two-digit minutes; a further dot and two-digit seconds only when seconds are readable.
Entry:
4.26
